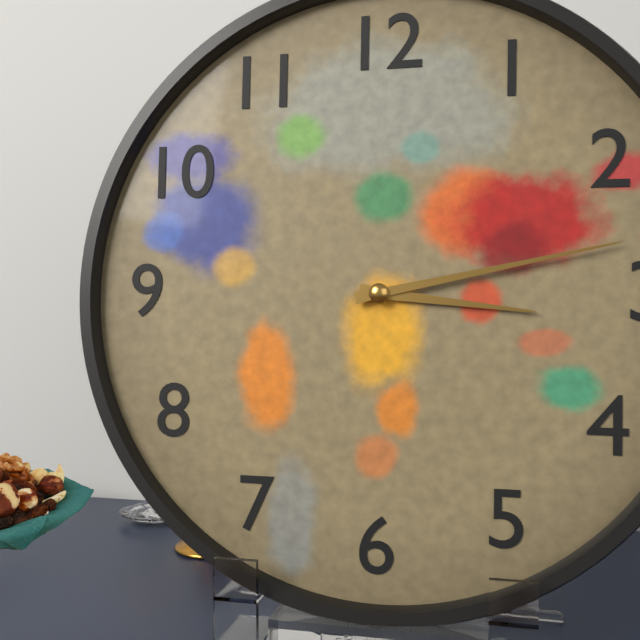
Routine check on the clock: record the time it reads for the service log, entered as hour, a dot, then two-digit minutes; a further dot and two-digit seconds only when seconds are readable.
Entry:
3.13
